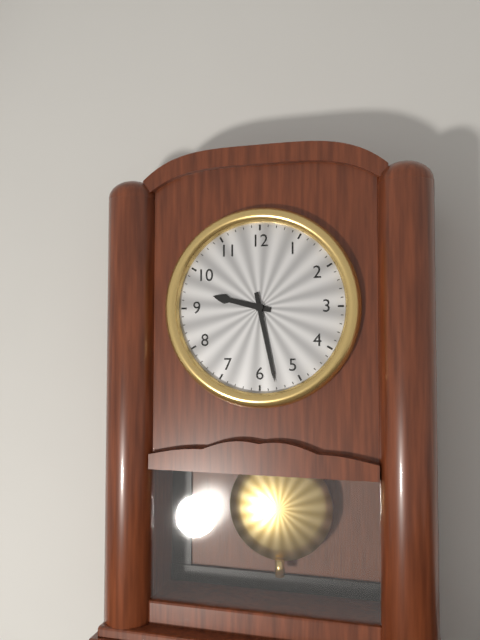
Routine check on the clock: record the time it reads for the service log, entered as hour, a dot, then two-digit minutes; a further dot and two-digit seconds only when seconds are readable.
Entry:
9.28
